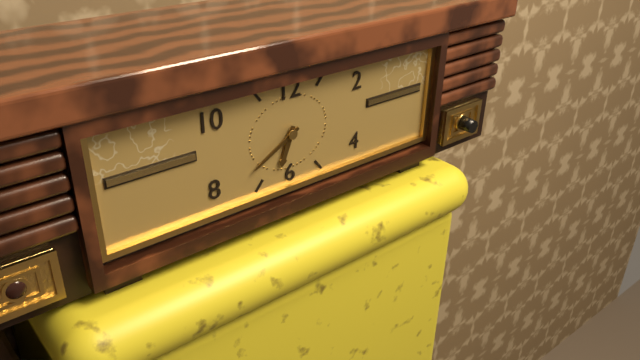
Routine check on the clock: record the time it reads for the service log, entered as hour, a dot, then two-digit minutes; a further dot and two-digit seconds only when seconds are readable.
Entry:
6.40
